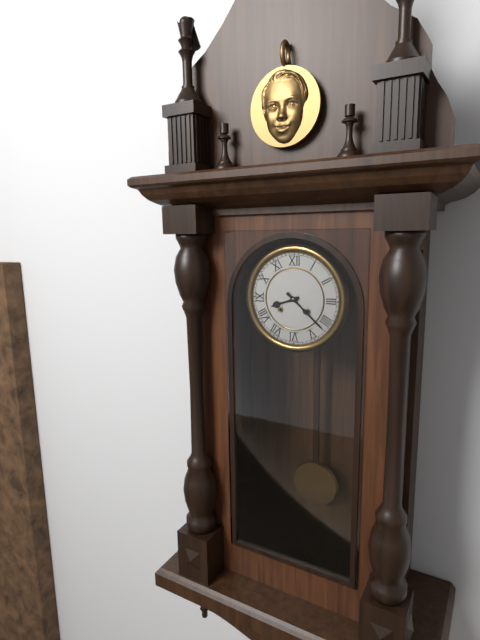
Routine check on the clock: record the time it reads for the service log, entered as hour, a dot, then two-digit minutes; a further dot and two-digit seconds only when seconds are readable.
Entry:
8.22
